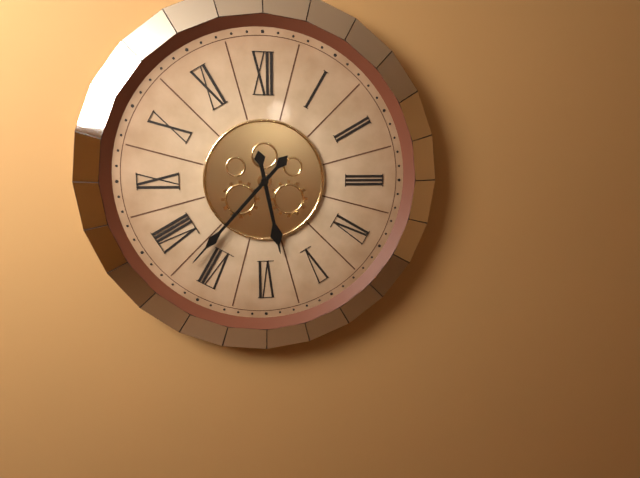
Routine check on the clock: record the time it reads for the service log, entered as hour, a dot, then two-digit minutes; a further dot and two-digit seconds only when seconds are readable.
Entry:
5.37
